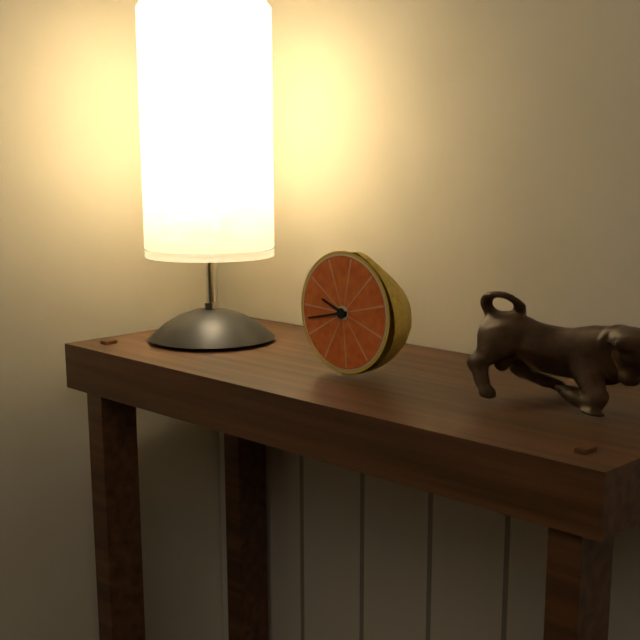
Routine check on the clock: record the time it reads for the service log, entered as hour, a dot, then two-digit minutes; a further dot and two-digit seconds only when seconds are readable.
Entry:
9.43
